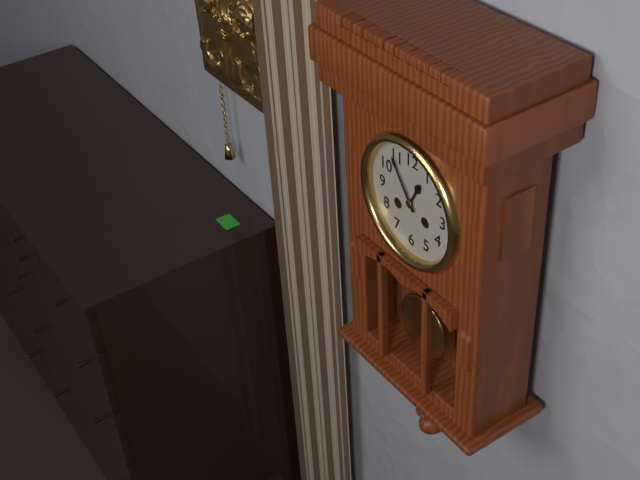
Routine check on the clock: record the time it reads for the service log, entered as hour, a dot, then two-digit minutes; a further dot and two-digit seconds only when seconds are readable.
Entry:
12.54
